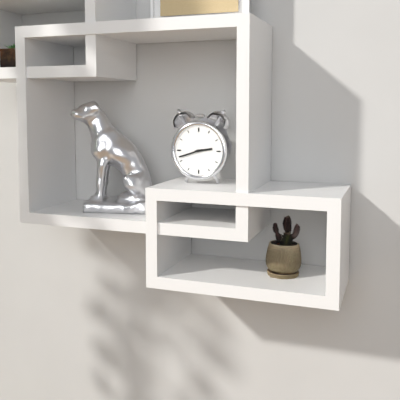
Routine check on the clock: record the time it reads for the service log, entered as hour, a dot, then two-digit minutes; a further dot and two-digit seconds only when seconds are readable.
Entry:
2.42
